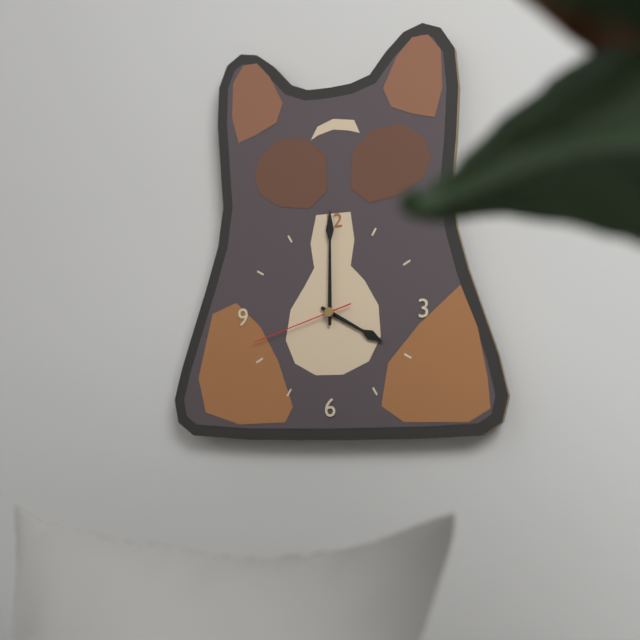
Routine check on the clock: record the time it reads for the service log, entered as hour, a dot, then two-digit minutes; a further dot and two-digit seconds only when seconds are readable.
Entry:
4.00.42
